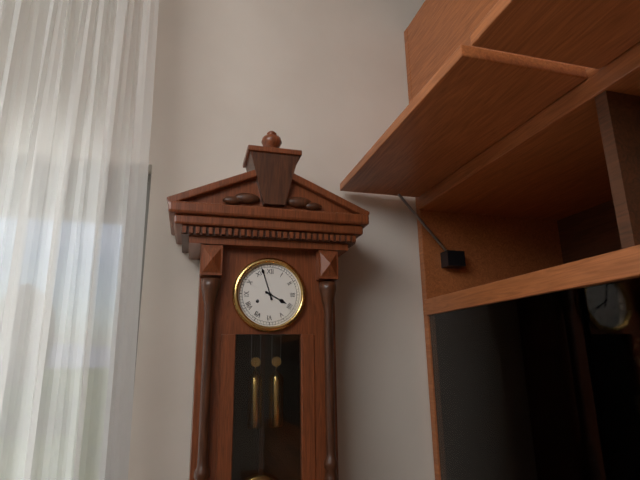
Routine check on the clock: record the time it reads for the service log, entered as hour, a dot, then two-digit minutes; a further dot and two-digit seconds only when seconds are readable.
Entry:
3.57
